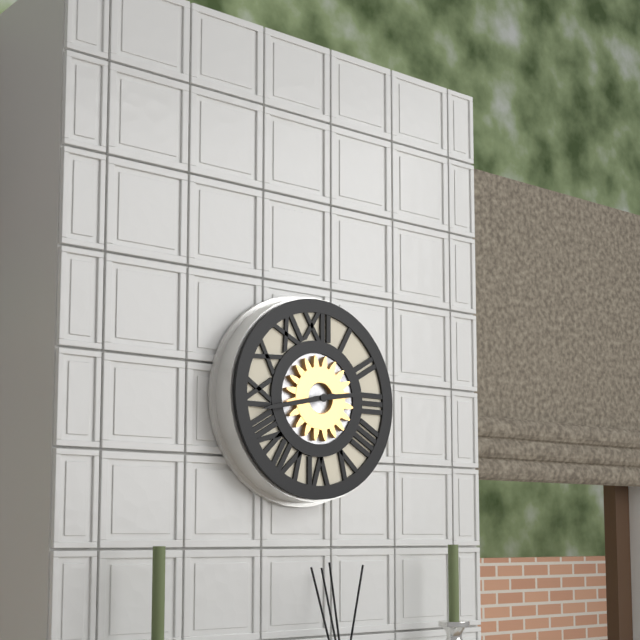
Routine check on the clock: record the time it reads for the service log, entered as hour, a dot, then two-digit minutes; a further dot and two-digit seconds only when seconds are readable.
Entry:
2.43
